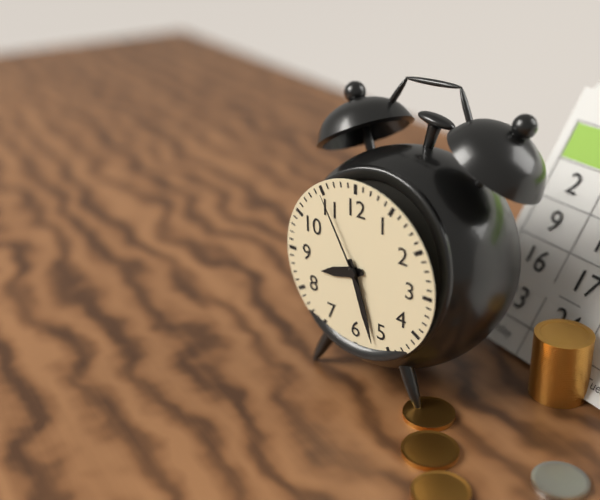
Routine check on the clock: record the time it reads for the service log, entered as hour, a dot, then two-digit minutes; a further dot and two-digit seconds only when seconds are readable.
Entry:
8.27.55
